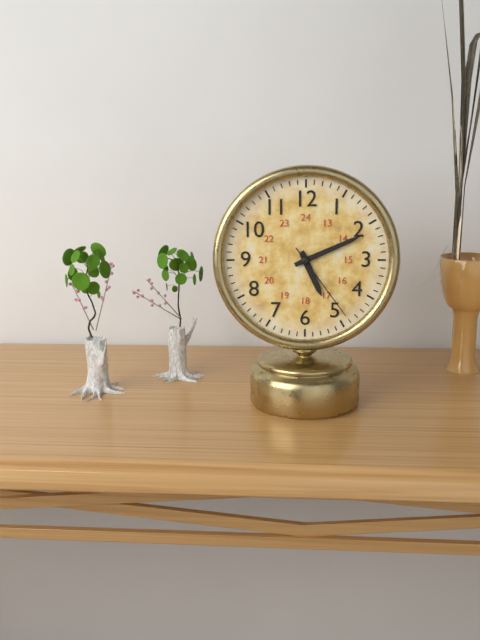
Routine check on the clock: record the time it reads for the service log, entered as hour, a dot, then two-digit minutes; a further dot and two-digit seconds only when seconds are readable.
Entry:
5.11.24
